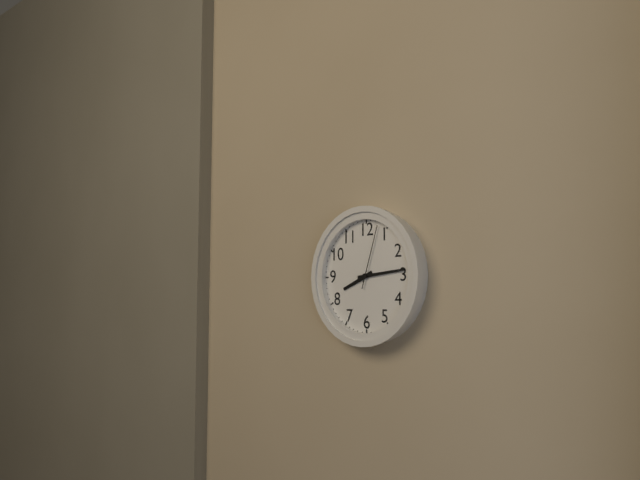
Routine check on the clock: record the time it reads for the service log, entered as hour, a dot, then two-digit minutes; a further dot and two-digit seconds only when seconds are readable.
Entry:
8.14.03
